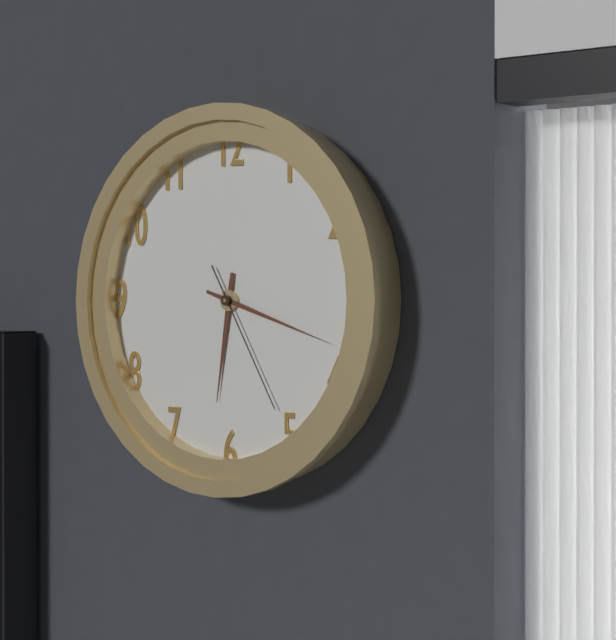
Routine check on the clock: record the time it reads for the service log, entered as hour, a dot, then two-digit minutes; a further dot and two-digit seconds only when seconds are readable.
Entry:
6.18.25
